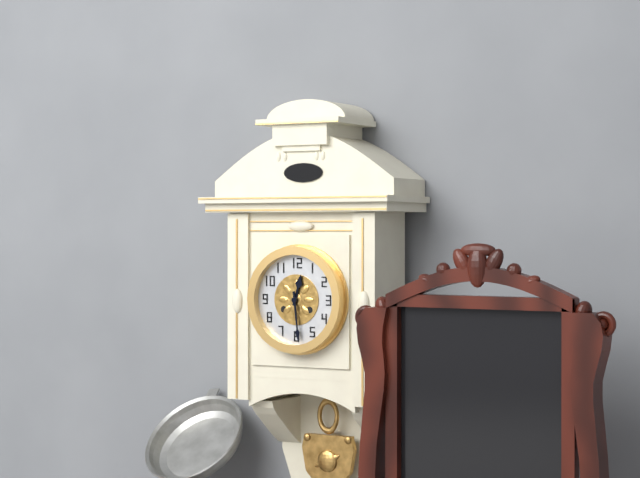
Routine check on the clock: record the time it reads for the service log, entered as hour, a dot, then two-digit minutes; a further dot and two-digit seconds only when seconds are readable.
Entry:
12.29
